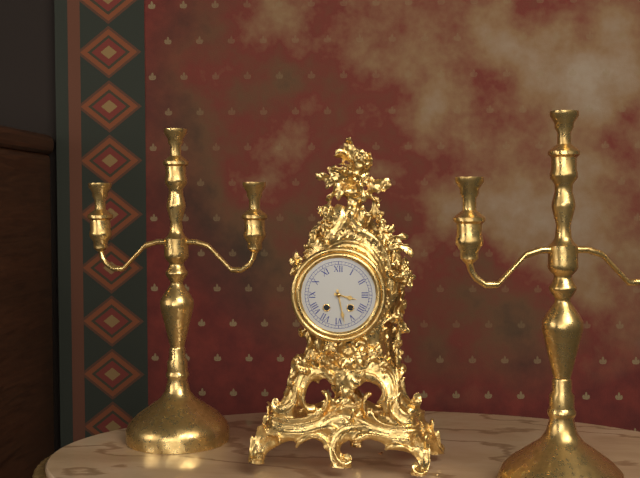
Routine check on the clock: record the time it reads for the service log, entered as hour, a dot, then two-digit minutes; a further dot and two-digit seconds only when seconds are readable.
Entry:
3.28
